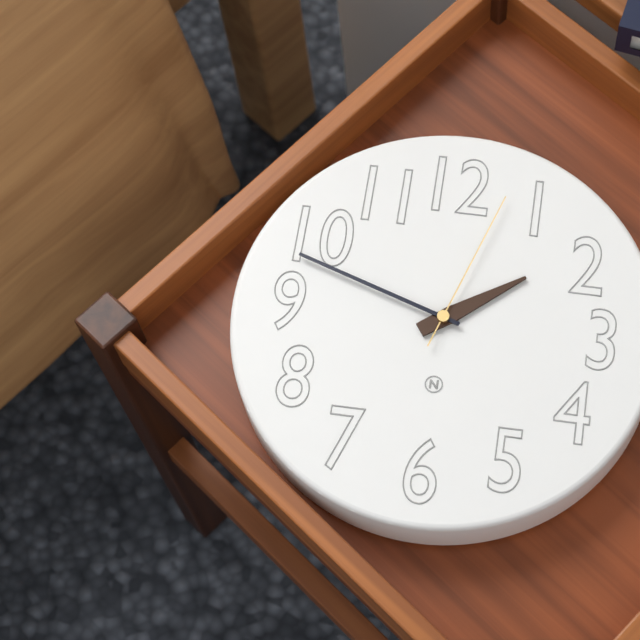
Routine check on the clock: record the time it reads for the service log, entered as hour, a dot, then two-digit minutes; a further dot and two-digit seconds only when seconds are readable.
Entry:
1.48.03
